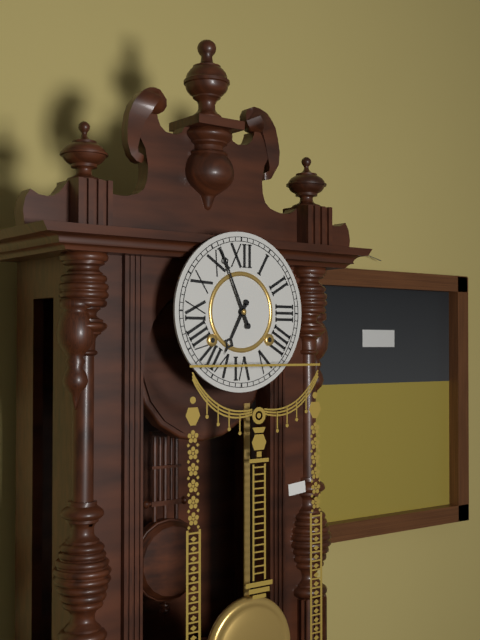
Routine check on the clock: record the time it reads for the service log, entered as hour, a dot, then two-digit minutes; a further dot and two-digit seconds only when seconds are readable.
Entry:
6.56
